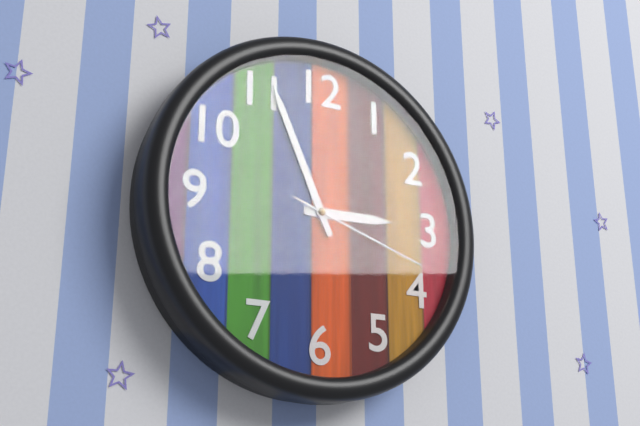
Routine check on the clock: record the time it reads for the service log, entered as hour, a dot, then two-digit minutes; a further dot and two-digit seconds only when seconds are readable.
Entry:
2.56.18
